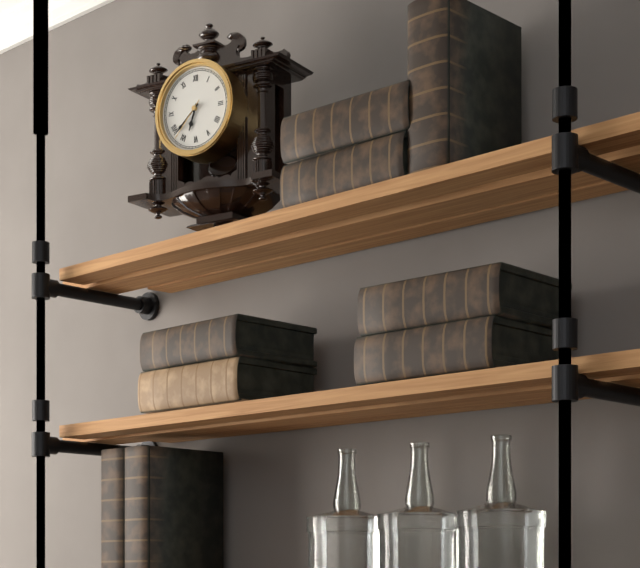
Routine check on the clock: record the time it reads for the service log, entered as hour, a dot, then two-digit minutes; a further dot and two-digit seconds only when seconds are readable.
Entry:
6.38
